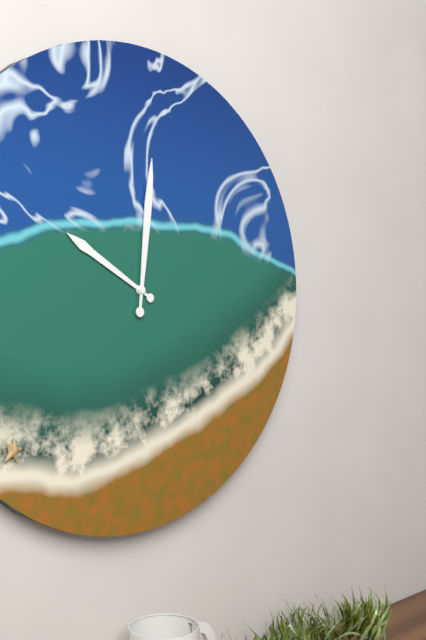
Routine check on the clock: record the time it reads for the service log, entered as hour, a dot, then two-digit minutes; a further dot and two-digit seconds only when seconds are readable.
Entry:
10.01
